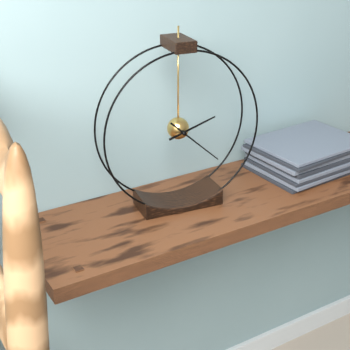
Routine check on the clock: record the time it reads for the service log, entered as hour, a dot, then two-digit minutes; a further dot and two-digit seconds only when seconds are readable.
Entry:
2.22
